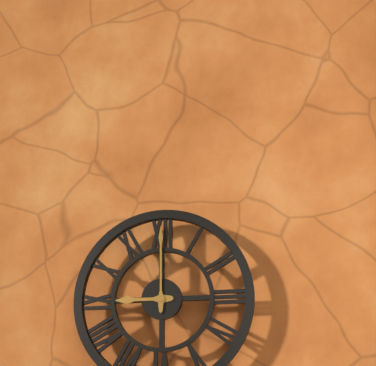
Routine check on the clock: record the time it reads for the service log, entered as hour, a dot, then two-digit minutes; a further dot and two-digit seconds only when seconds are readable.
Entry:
9.00
